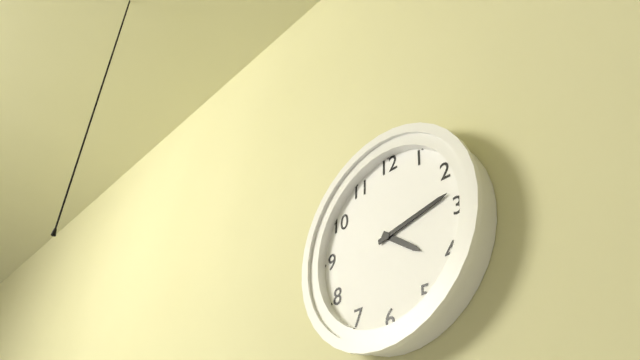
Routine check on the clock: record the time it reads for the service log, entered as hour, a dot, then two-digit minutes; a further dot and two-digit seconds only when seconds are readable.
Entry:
4.13
